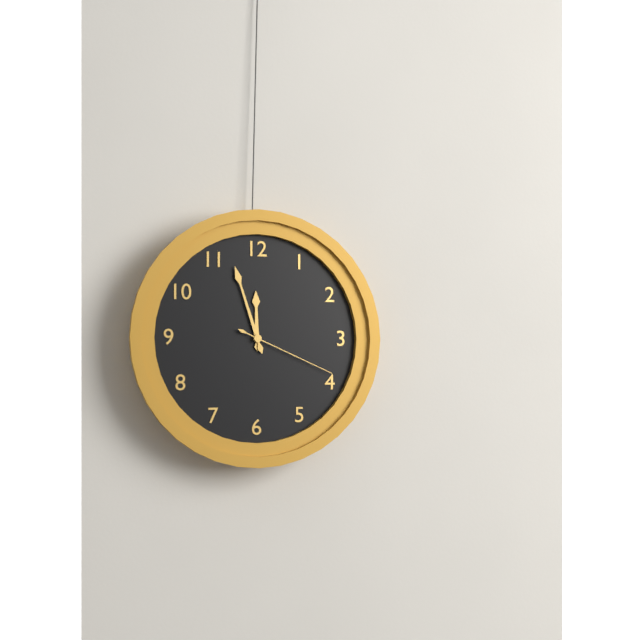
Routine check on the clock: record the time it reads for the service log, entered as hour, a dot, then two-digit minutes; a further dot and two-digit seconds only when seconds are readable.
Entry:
11.57.19
